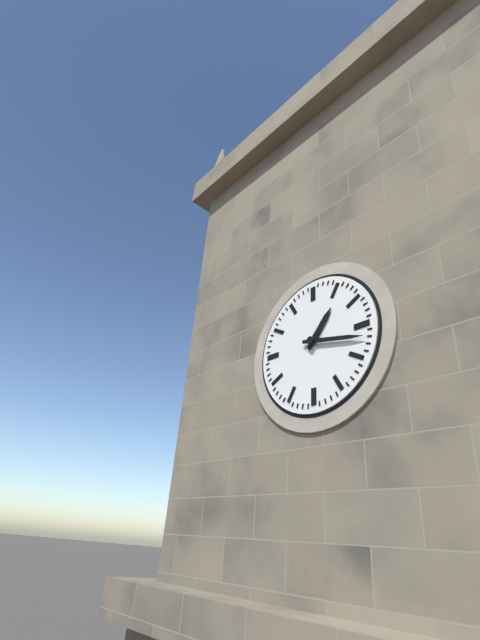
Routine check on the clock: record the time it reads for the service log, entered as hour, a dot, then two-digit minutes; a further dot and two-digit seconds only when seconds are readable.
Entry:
1.17
